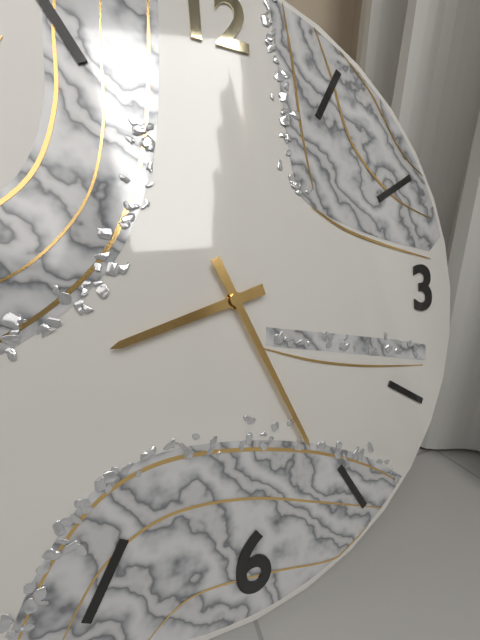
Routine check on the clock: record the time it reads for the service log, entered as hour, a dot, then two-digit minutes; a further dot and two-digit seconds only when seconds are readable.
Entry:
8.26
